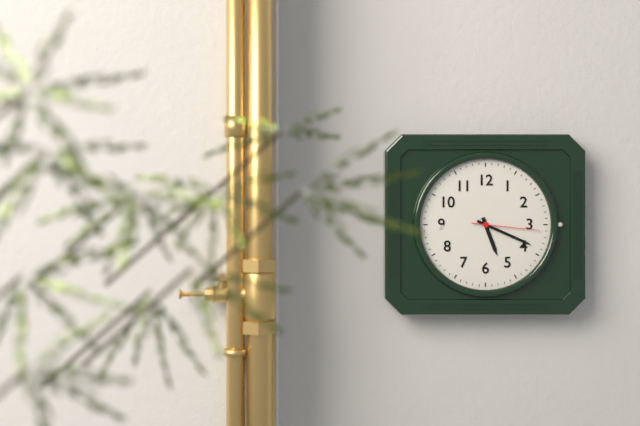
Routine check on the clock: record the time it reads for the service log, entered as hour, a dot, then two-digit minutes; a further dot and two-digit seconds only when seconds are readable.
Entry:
5.19.16
